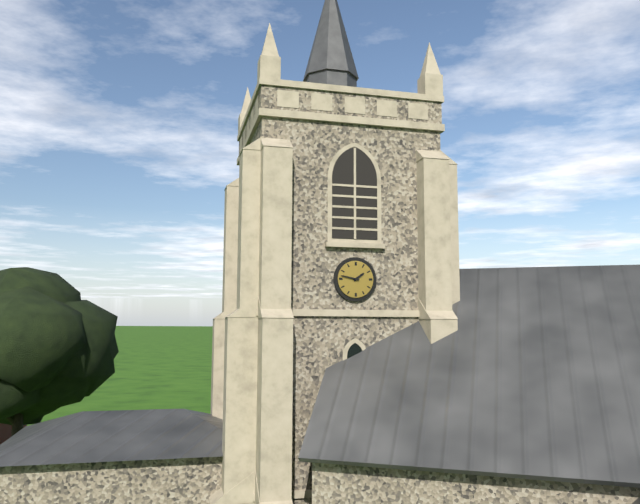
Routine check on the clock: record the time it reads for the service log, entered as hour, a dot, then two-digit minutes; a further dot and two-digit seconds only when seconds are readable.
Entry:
1.47
